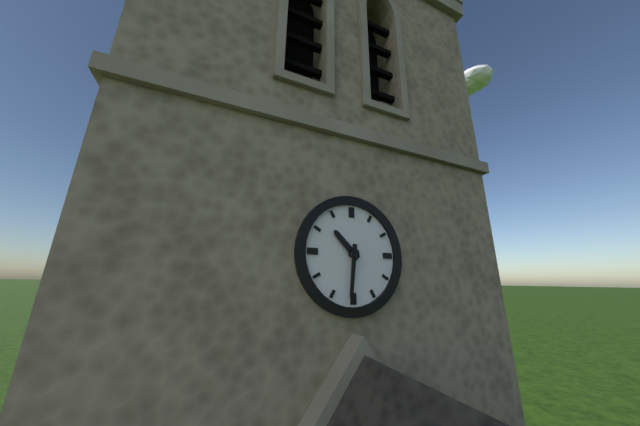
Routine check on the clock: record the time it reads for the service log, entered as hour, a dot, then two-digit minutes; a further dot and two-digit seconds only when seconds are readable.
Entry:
10.31
